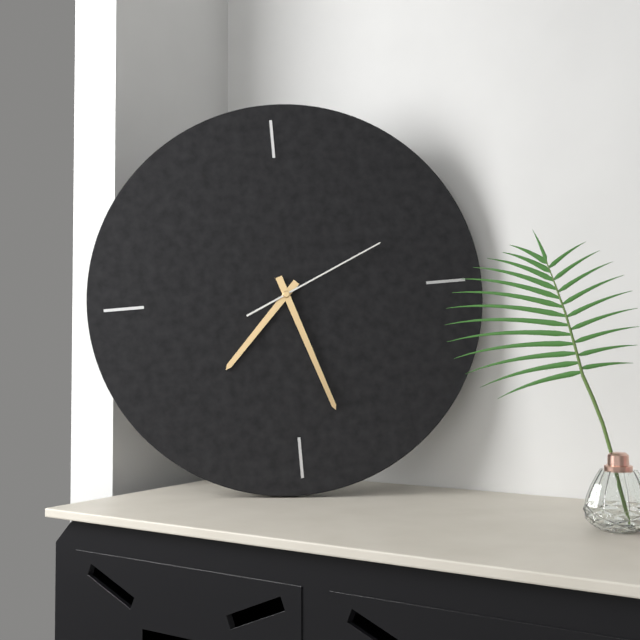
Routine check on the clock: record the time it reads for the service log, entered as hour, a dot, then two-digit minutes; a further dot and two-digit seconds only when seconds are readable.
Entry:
7.27.11
